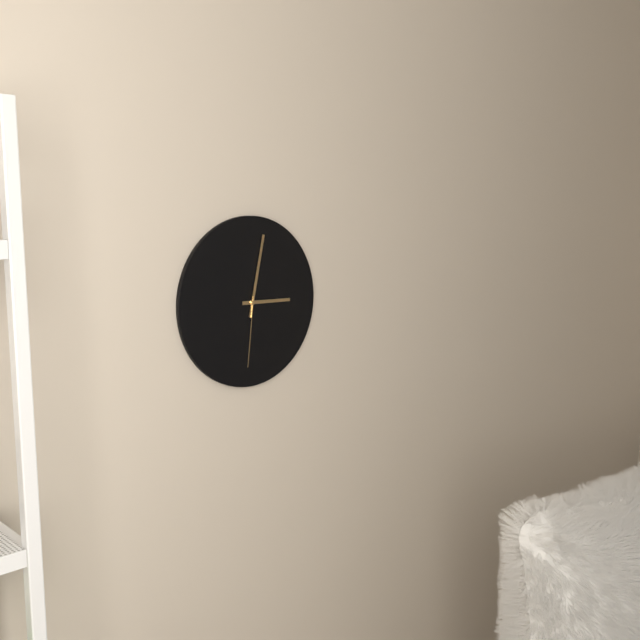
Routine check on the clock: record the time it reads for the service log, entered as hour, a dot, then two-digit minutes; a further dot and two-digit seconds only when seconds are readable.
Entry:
3.02.31
